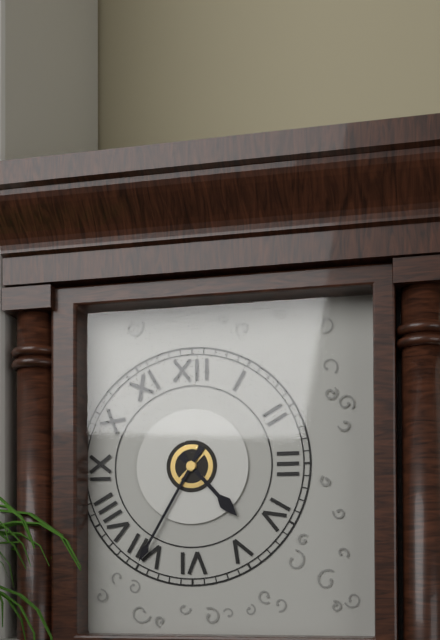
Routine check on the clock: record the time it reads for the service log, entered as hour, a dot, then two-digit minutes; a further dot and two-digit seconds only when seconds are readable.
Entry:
4.35
